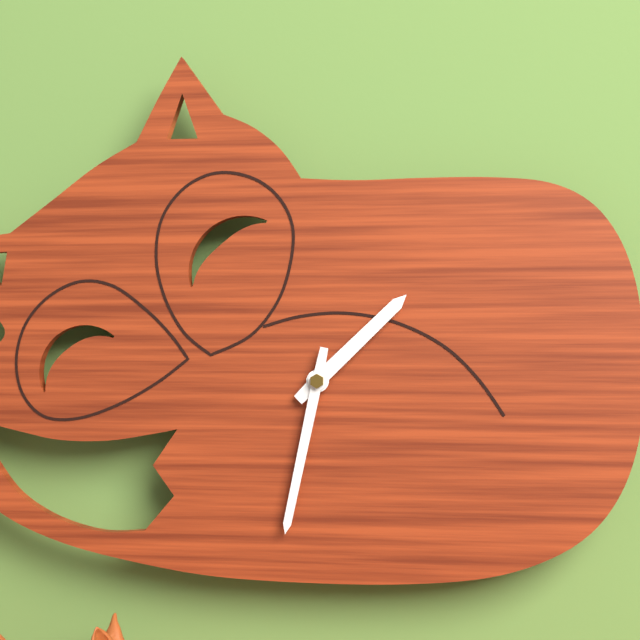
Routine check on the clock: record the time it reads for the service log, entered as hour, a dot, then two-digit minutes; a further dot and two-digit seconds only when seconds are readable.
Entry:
1.32
